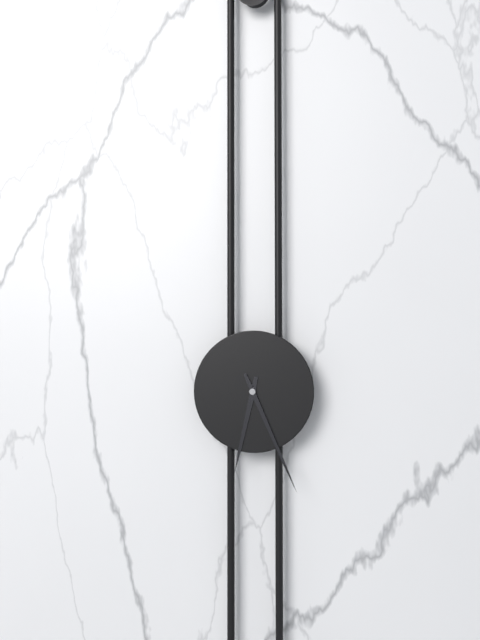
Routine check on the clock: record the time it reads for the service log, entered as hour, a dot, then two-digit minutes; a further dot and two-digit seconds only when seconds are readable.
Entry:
6.26
